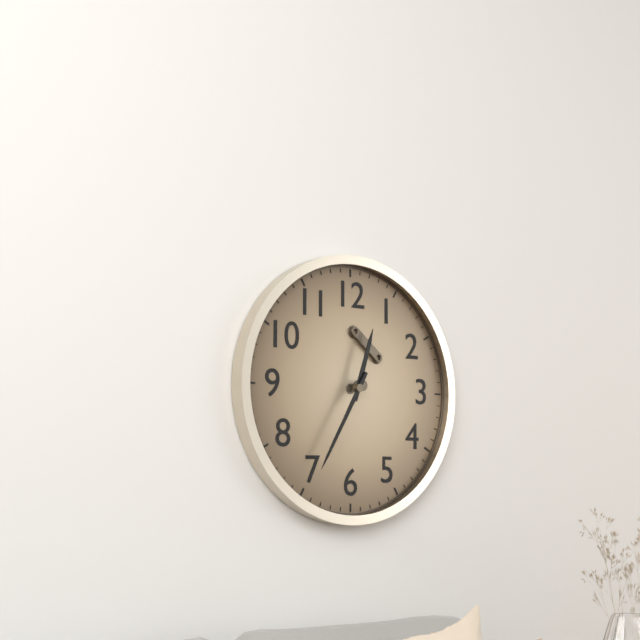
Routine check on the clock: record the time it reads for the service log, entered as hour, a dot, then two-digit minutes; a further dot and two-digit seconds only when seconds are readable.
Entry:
12.35
